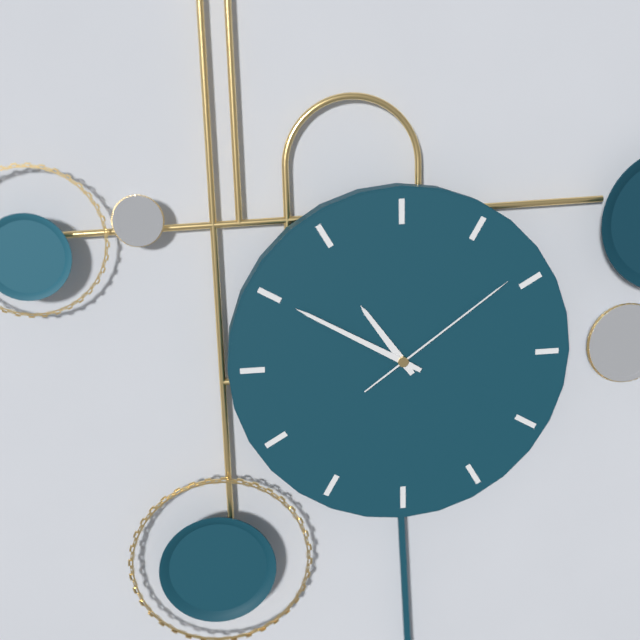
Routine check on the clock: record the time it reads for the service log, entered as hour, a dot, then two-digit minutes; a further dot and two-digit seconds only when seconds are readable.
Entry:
10.50.09
